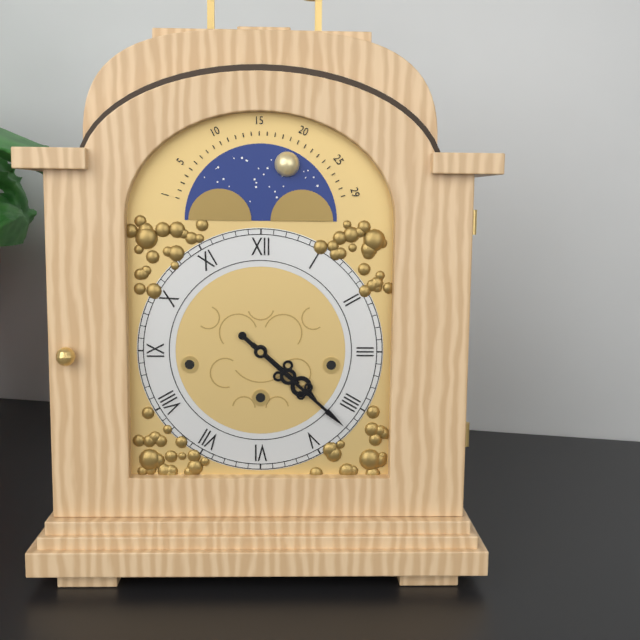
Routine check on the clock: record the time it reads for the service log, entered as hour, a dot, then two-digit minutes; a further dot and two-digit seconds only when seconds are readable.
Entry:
4.22
